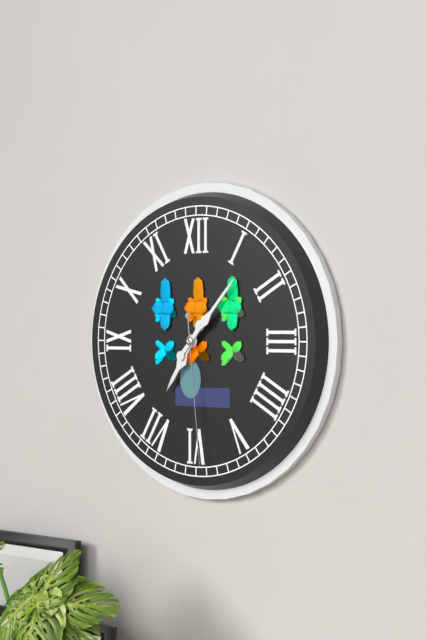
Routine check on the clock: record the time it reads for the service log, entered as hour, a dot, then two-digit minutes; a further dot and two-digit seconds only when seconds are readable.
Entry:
7.07.29
